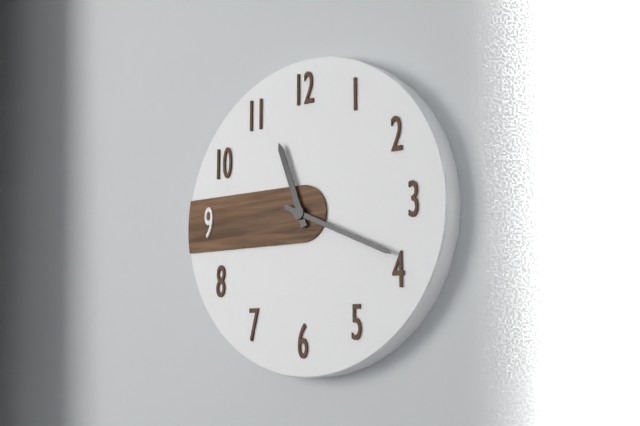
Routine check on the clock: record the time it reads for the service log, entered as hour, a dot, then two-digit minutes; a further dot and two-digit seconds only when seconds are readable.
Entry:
11.19
